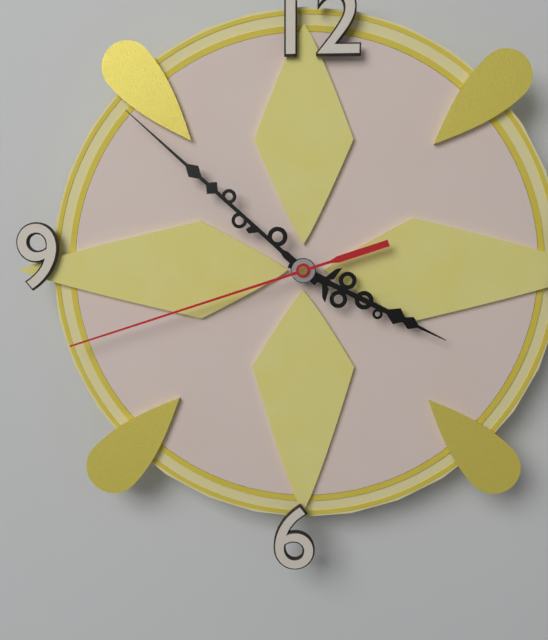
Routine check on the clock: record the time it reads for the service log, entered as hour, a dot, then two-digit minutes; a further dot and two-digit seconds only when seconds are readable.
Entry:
3.52.42
